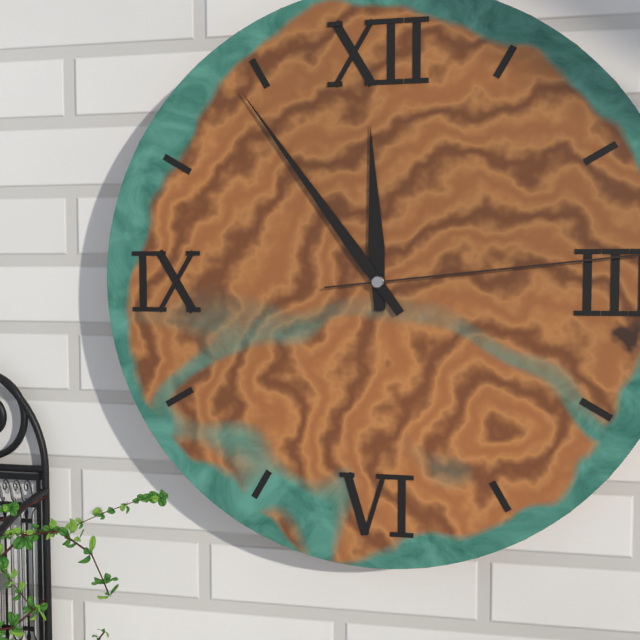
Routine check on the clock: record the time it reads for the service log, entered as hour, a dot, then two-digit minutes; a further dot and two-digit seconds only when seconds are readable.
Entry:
11.54
